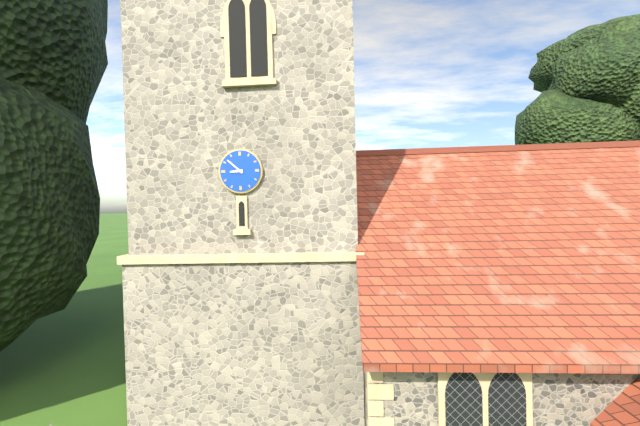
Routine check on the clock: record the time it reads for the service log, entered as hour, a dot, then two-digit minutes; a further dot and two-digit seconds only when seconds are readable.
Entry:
8.52
